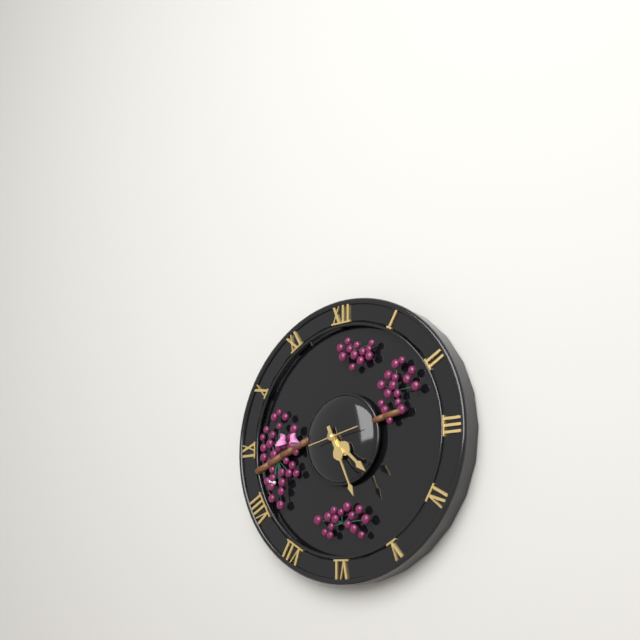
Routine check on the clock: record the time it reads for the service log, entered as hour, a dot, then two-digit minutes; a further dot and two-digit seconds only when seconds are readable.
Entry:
4.26
